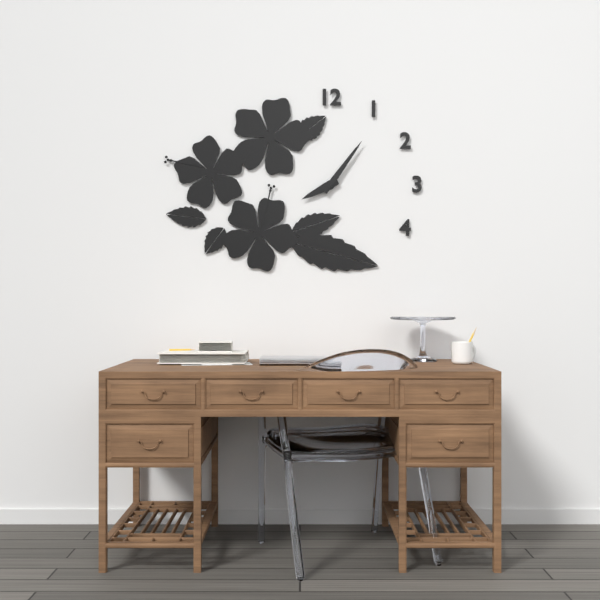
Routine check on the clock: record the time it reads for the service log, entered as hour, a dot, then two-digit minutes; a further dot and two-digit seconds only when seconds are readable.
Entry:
8.06
